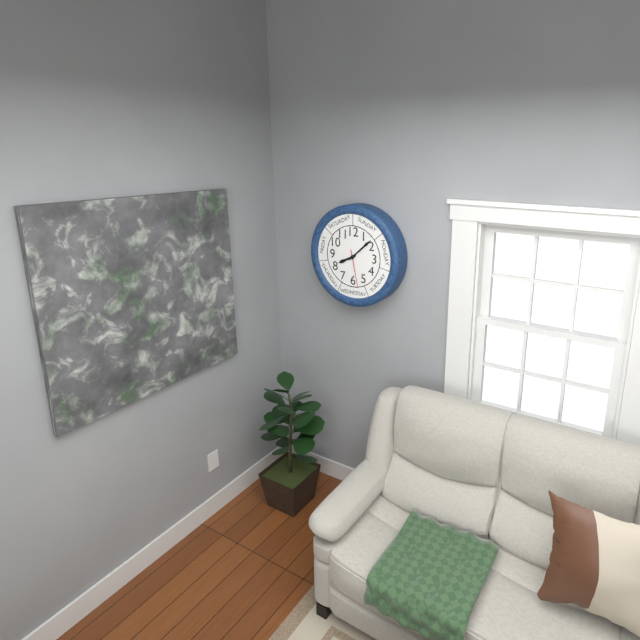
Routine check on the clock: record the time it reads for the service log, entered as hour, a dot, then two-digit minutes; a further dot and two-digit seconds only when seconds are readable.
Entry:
8.08
